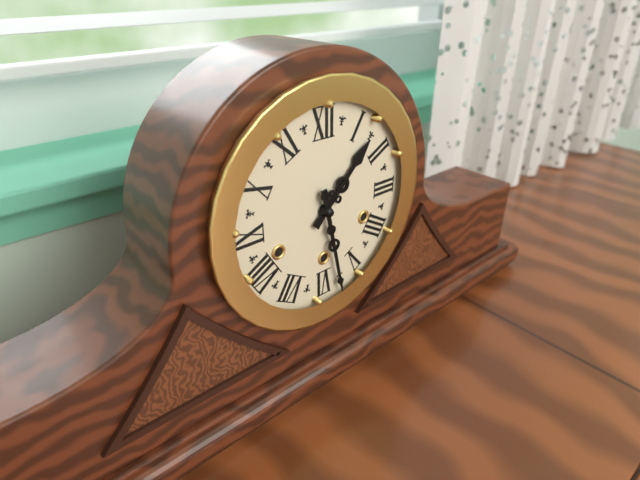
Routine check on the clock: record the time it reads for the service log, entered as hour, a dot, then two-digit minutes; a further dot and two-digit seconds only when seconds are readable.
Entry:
1.28
